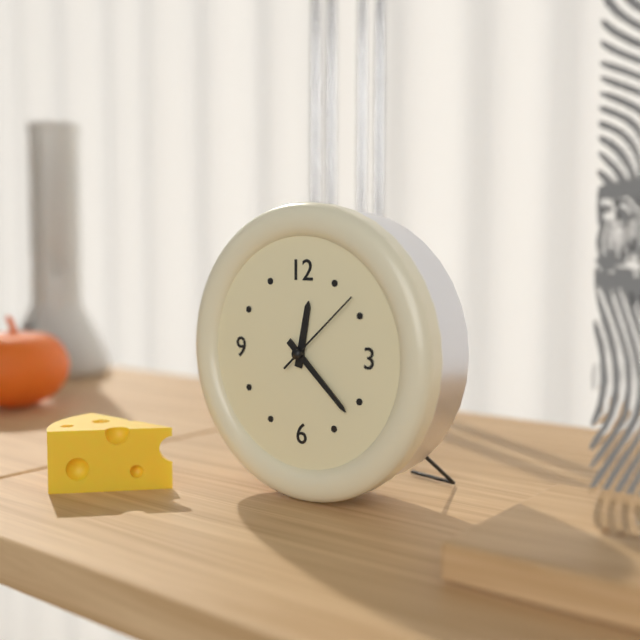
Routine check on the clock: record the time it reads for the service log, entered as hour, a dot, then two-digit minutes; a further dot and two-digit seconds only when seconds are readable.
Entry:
12.22.08
